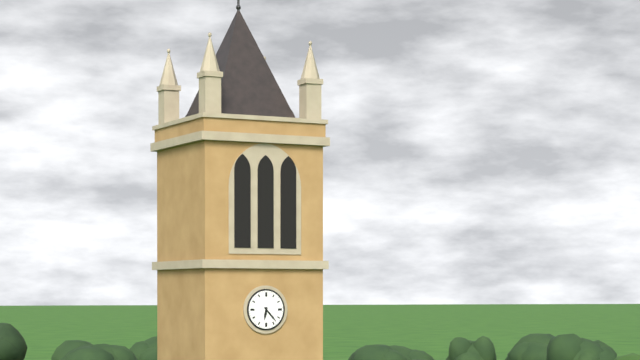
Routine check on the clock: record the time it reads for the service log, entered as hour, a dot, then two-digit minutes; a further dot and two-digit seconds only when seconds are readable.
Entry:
6.23
